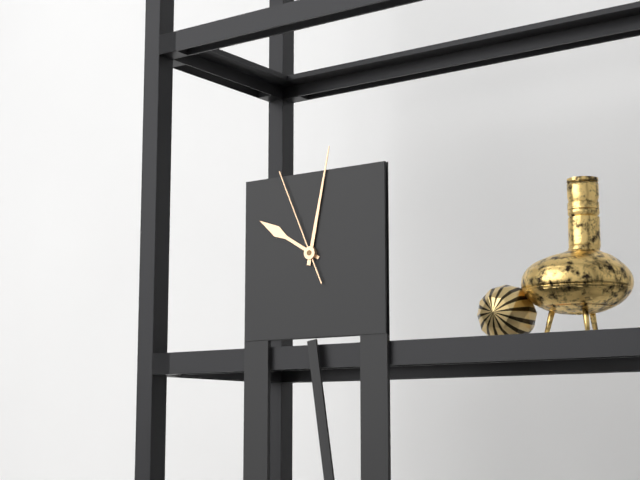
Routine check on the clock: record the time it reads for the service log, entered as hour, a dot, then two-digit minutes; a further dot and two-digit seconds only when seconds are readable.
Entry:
10.02.56
